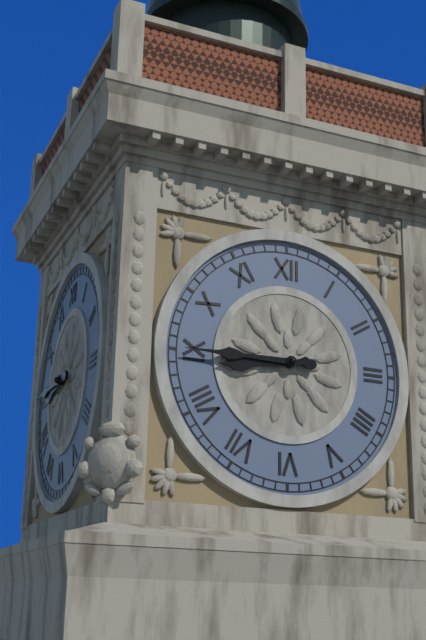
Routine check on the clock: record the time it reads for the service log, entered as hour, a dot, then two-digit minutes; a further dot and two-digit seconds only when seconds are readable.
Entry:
8.45
